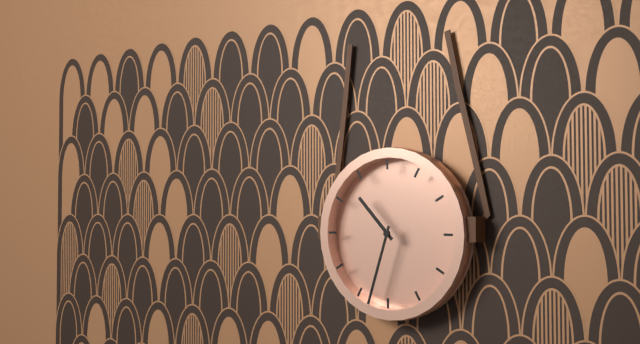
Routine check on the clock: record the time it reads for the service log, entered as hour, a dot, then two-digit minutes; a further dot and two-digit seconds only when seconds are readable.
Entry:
10.33
